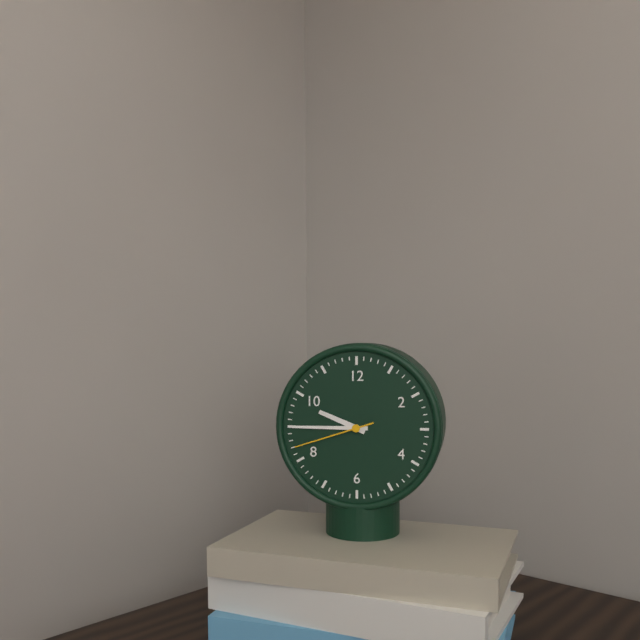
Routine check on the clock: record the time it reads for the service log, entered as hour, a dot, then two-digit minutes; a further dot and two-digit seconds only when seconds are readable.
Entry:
9.45.42
